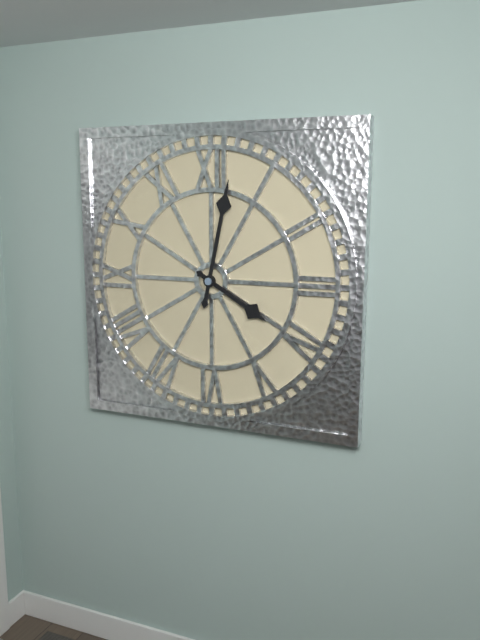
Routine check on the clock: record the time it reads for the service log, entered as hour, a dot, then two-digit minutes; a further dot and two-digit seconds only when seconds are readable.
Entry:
4.02
